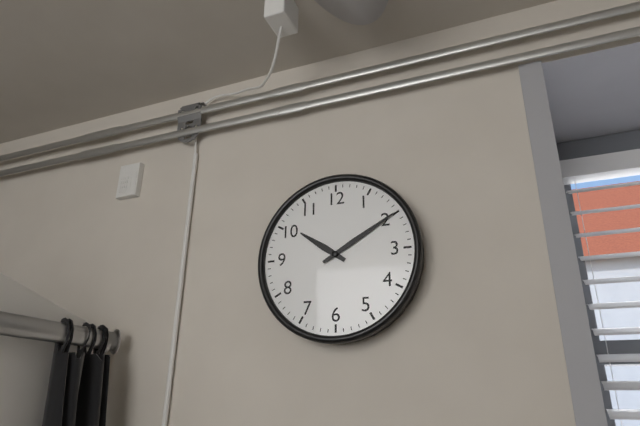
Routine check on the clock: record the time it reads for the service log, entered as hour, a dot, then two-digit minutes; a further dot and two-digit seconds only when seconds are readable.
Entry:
10.10
